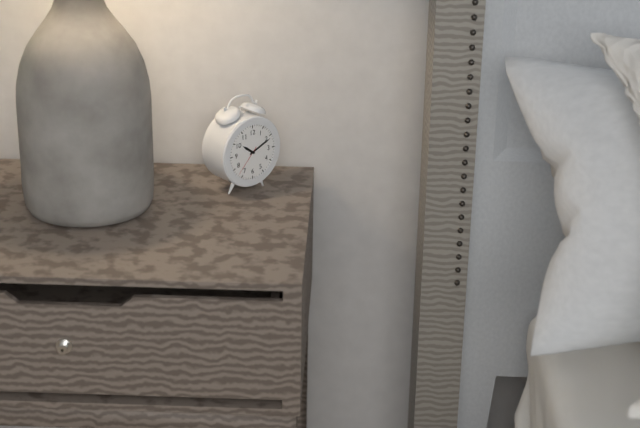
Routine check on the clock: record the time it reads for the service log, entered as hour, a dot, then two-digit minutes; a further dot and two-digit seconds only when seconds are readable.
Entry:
10.11
